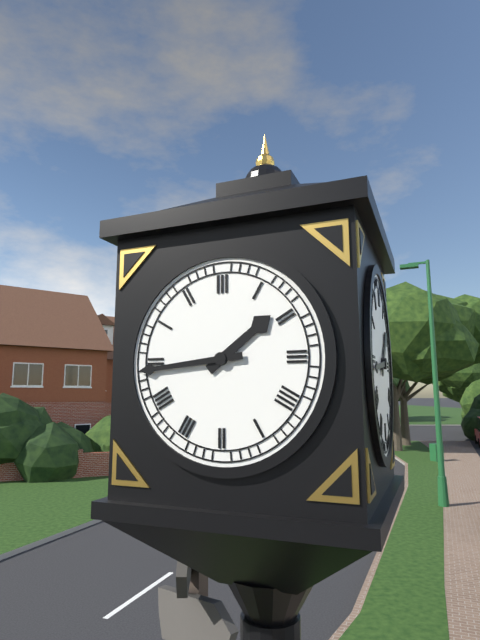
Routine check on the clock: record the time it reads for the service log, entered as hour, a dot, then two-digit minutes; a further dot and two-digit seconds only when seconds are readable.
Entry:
1.44
